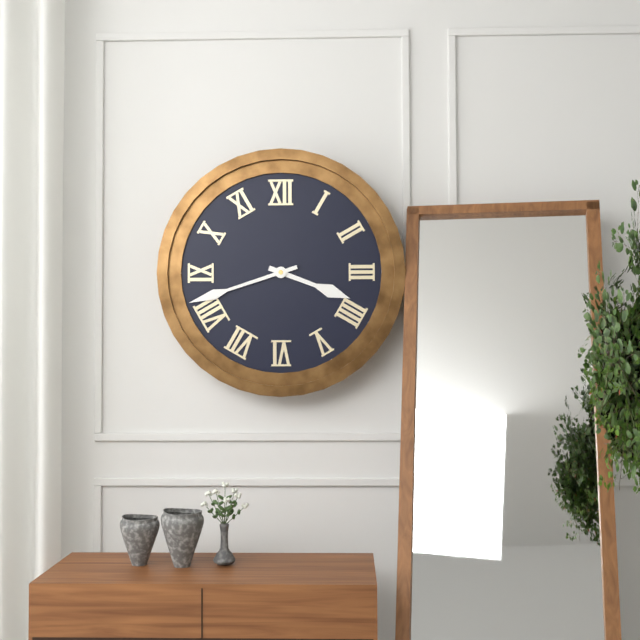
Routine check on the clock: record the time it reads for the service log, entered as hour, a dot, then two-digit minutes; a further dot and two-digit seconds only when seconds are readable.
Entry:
3.42
